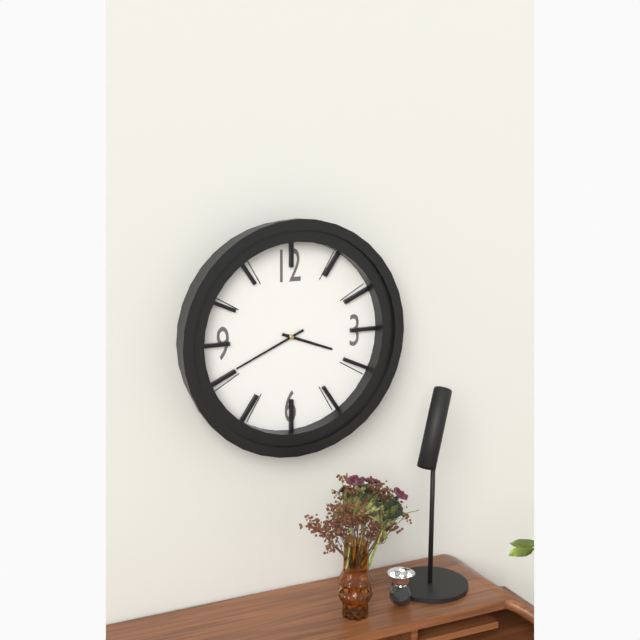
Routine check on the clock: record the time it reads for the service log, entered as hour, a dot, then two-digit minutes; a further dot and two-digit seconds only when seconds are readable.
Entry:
3.41
